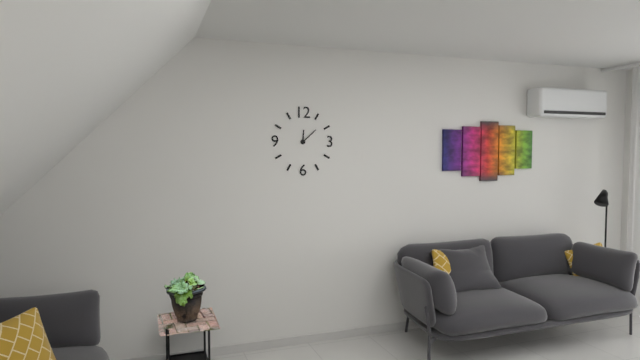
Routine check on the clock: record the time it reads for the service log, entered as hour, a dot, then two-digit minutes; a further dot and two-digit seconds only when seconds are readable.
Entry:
12.08
